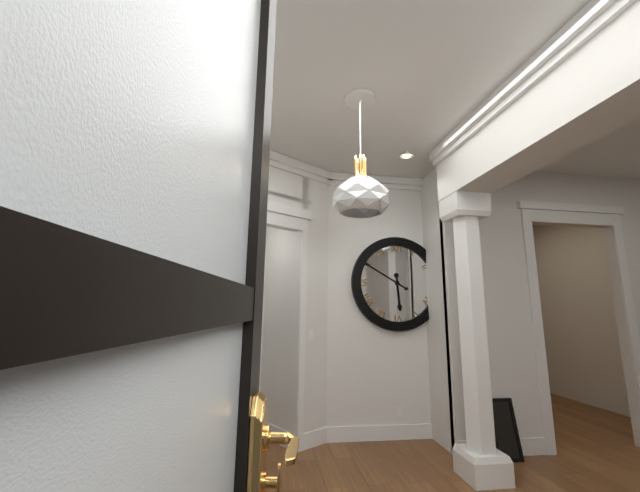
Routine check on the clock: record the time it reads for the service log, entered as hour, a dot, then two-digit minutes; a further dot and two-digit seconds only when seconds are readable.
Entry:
5.50
